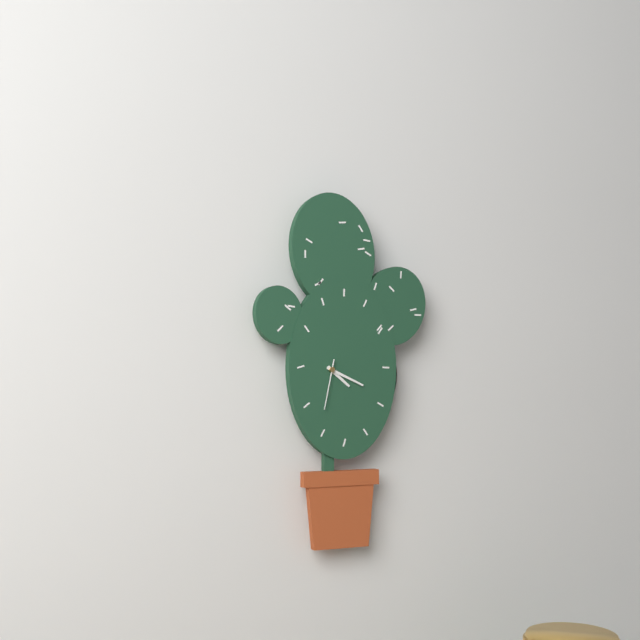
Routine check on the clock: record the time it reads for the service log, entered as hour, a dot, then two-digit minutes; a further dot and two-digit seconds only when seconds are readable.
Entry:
4.19.32
